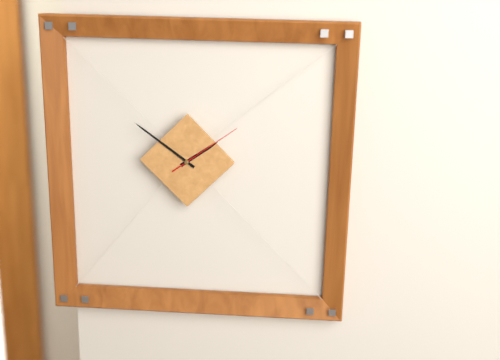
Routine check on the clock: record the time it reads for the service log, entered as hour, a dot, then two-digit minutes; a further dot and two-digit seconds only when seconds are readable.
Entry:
1.51.09
